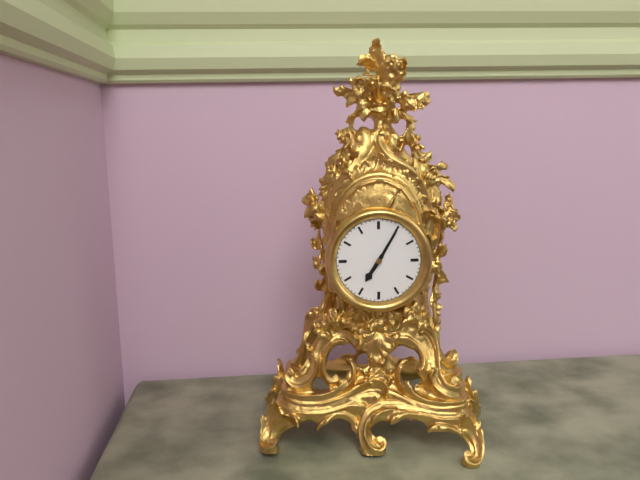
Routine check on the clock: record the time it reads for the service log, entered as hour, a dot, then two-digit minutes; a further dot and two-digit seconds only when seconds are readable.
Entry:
7.05
